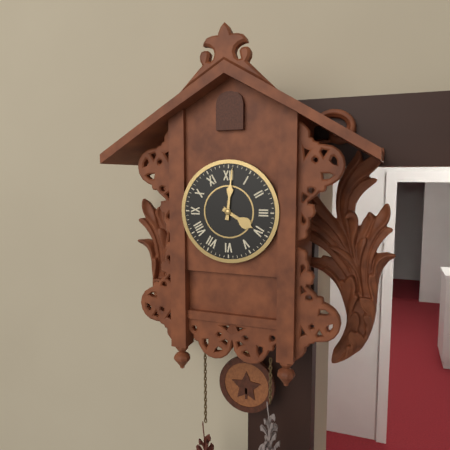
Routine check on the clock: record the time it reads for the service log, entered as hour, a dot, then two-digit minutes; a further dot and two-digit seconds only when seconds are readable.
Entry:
4.01
